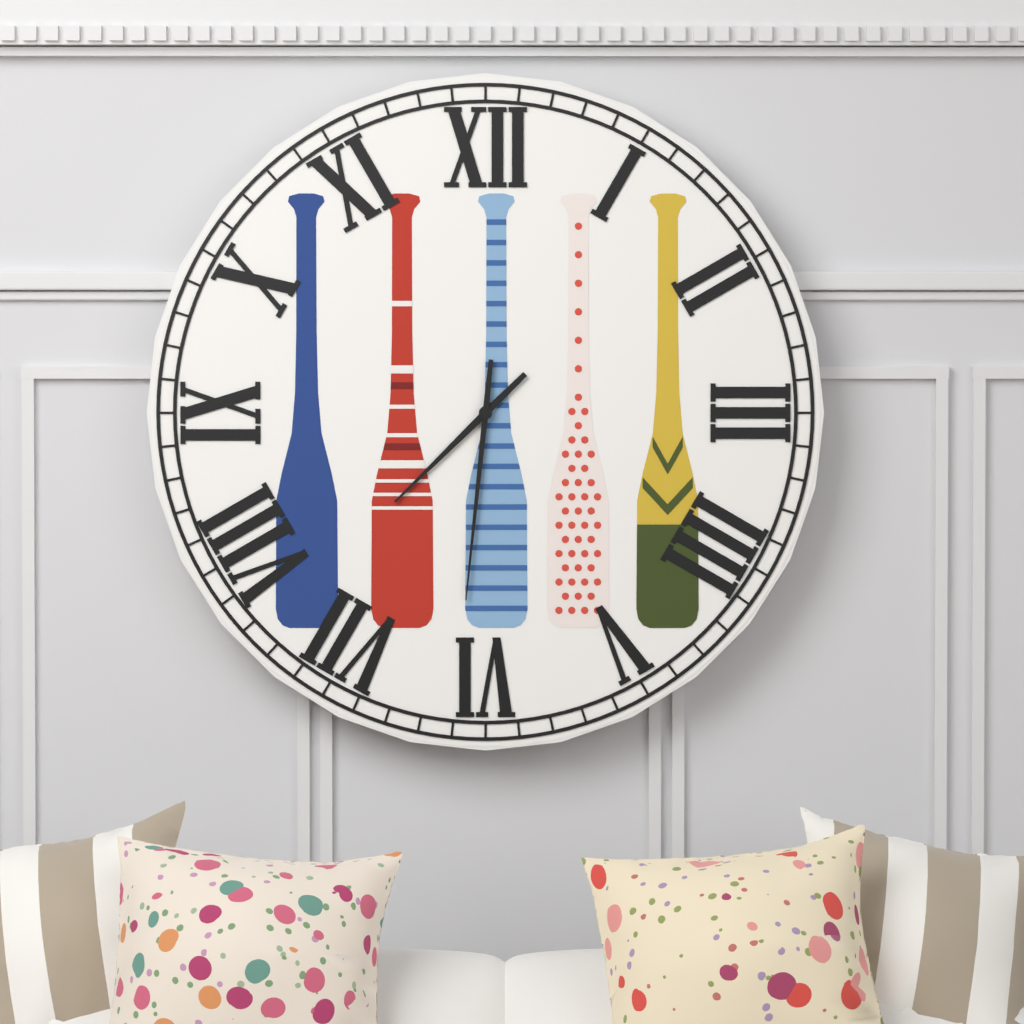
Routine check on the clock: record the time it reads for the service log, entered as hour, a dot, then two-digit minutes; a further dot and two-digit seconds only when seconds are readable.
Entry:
7.31
